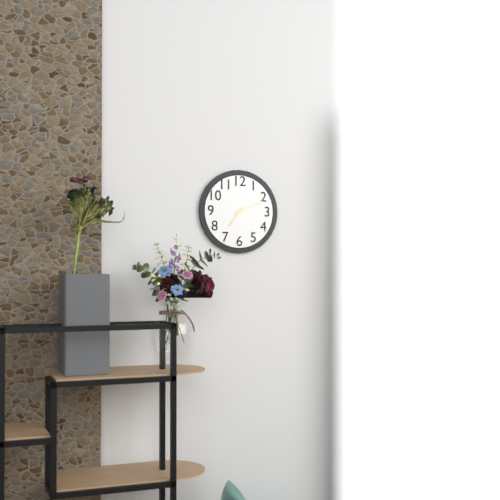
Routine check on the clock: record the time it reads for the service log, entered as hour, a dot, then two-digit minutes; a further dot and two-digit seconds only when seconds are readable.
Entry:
7.11
